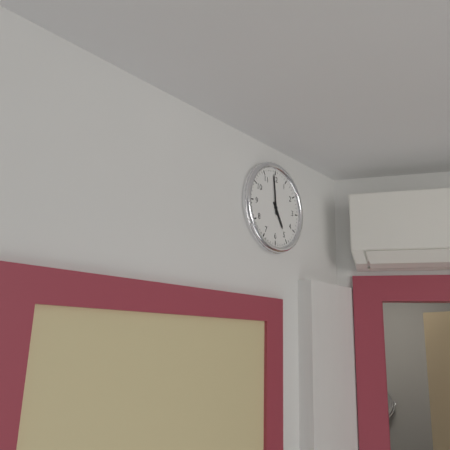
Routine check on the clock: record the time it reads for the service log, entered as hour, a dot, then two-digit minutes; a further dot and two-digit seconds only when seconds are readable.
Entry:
4.59
